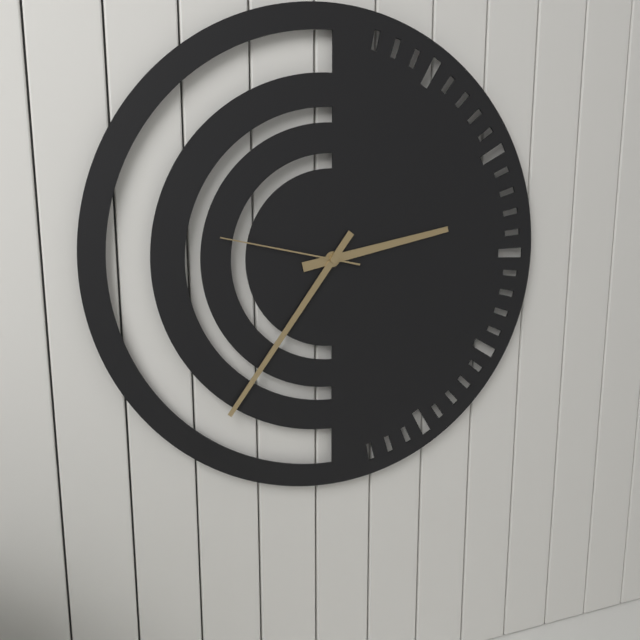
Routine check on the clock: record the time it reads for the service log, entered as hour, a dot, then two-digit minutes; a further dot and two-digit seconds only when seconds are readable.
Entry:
2.36.47
